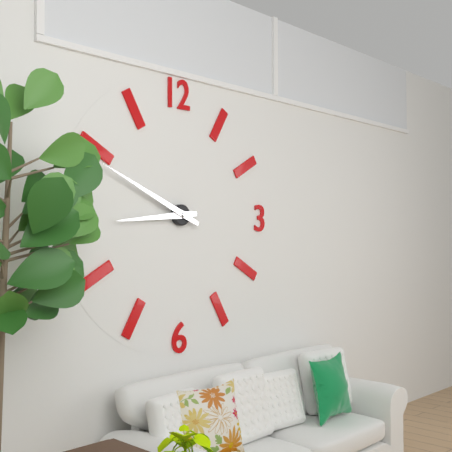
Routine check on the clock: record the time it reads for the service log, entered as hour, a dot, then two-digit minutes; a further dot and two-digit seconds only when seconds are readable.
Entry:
8.49
